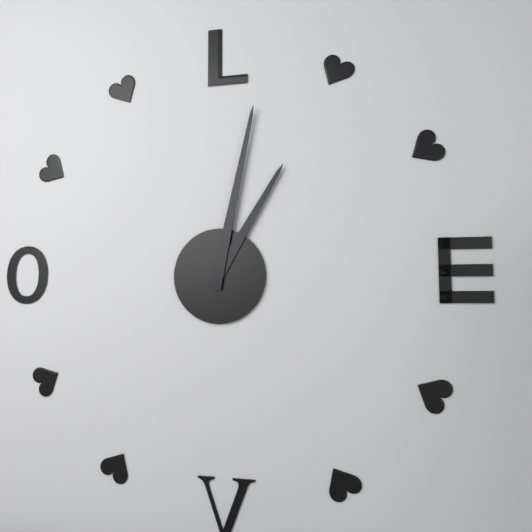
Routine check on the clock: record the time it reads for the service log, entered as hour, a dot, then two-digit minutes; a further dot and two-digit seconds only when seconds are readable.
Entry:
1.02
